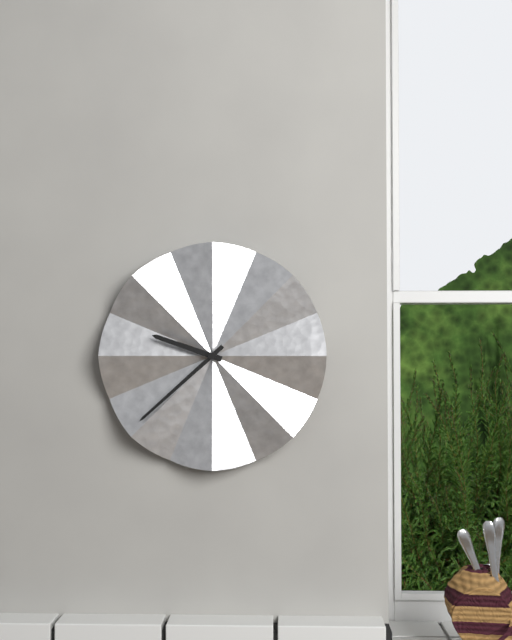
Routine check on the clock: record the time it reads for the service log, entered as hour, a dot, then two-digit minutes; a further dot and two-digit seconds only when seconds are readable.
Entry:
9.38
